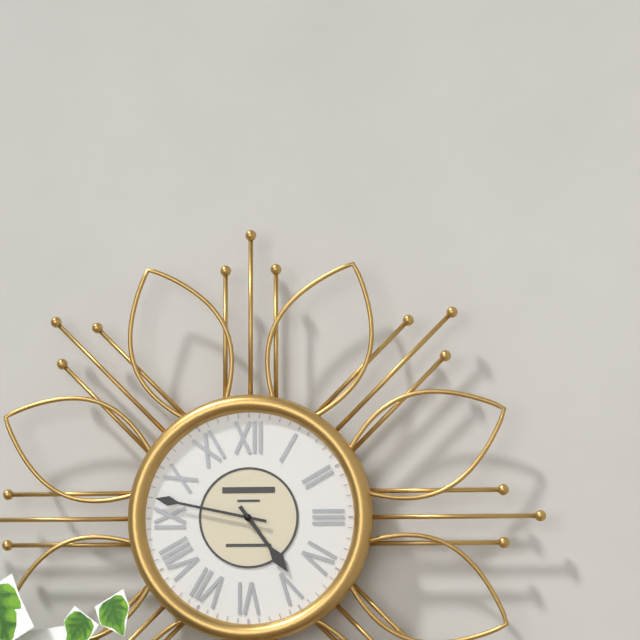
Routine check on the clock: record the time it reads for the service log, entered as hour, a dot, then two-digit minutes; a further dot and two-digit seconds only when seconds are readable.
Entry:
4.47
